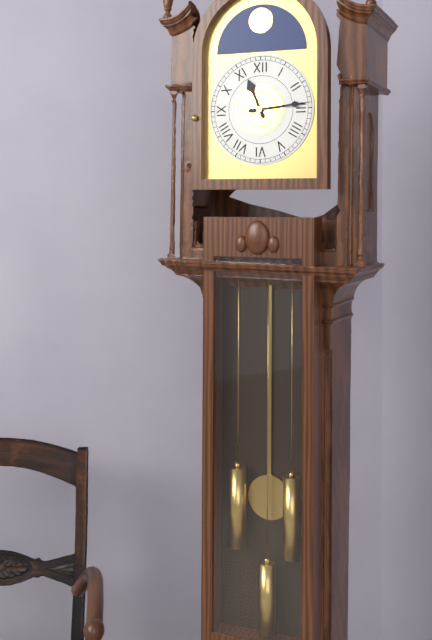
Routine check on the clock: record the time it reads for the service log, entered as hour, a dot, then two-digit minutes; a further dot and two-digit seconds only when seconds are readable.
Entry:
11.14
